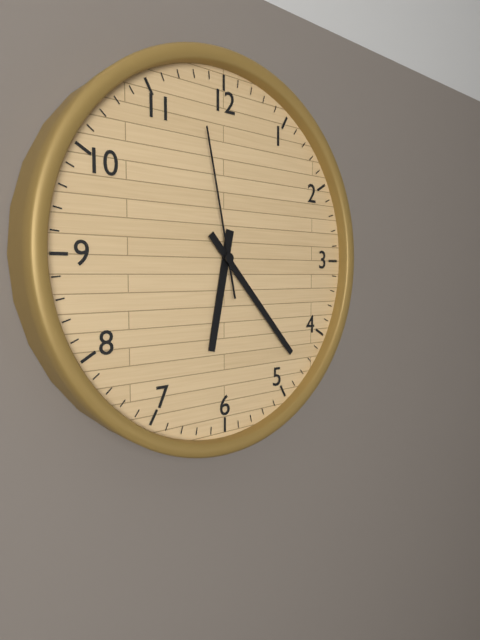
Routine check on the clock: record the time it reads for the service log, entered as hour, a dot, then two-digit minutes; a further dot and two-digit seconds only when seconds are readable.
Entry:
6.23.58
